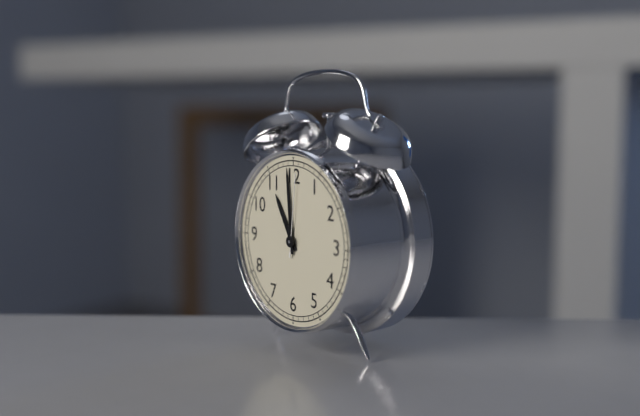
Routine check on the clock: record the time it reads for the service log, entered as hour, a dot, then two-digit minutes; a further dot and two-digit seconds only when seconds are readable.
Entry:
10.59.01
